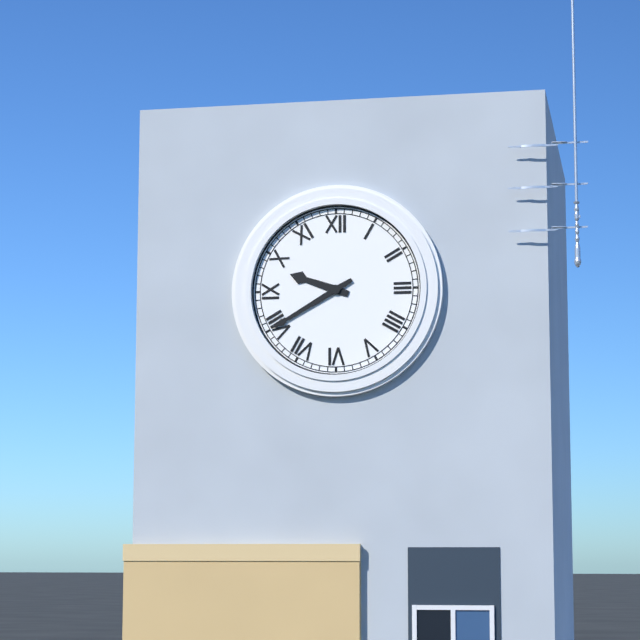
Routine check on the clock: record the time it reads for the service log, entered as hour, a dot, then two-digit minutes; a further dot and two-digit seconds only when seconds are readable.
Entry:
9.40
